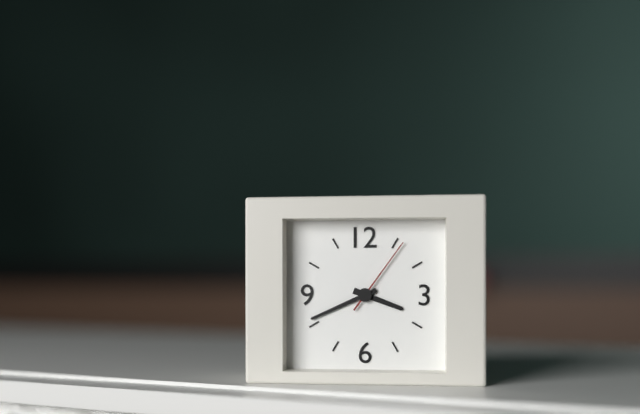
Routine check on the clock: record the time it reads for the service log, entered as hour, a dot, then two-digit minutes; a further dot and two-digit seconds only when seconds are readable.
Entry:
3.41.06
